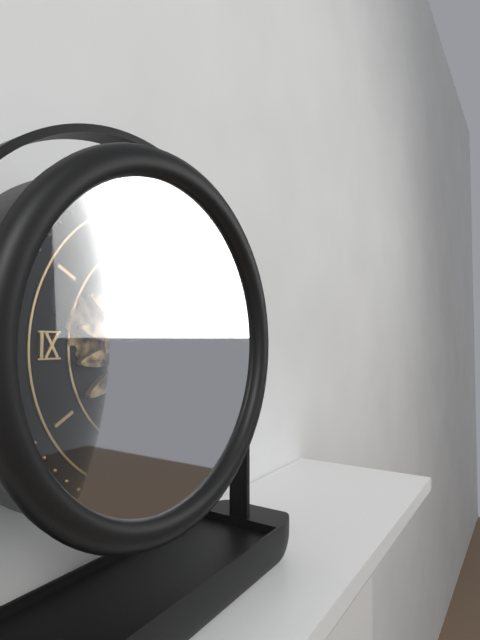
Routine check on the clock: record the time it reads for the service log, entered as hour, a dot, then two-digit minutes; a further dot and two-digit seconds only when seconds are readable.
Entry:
8.35
